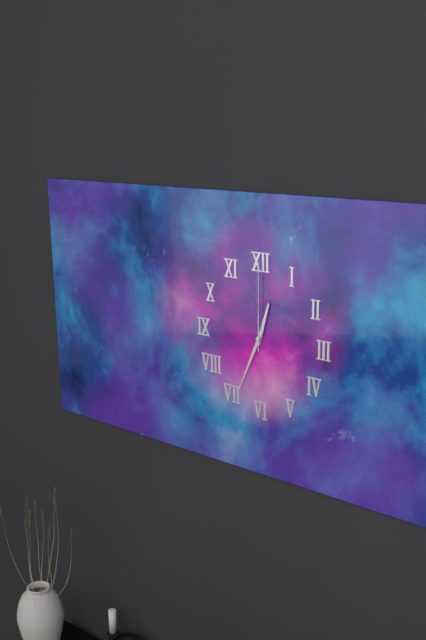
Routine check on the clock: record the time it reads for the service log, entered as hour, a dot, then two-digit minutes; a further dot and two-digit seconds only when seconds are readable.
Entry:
12.34.00
